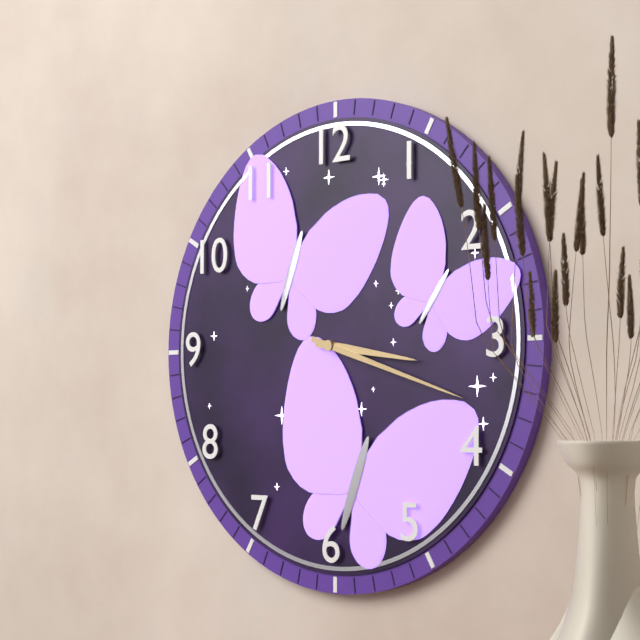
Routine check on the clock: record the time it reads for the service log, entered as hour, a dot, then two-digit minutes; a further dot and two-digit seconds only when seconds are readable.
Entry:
3.18
